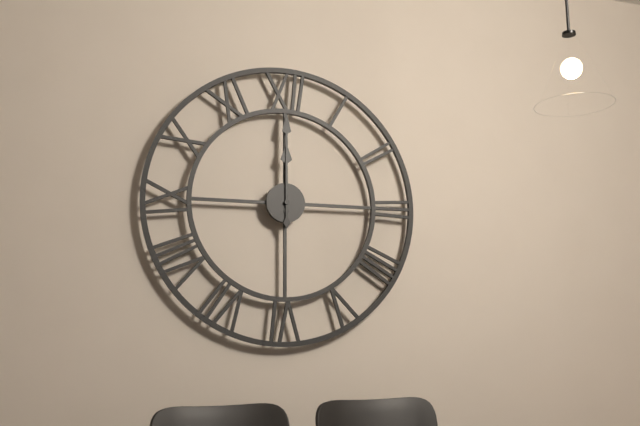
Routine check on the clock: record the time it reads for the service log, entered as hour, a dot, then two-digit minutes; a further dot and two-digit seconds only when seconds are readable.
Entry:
12.00
